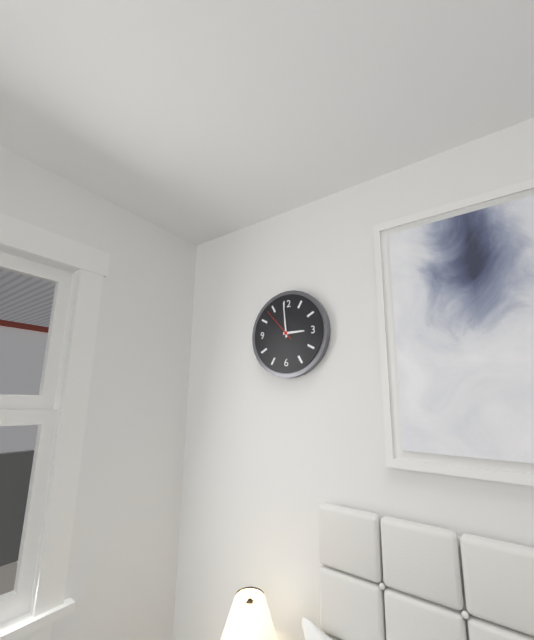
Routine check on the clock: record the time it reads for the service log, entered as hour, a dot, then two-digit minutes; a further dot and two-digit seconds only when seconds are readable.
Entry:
2.59
